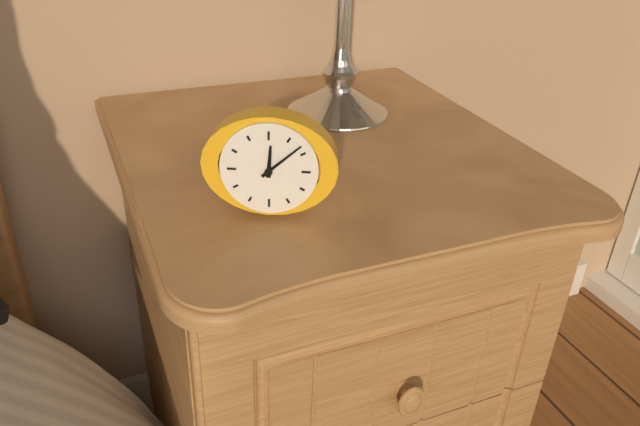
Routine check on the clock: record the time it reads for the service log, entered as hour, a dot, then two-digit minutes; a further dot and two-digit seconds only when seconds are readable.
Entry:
12.08
